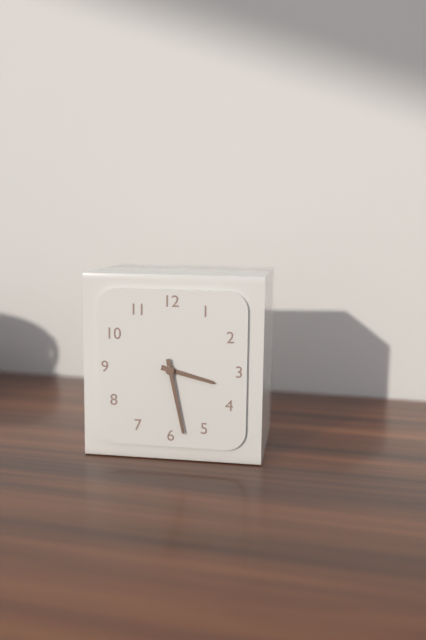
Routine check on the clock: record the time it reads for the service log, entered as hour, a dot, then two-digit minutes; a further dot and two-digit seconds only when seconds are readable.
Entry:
3.28
